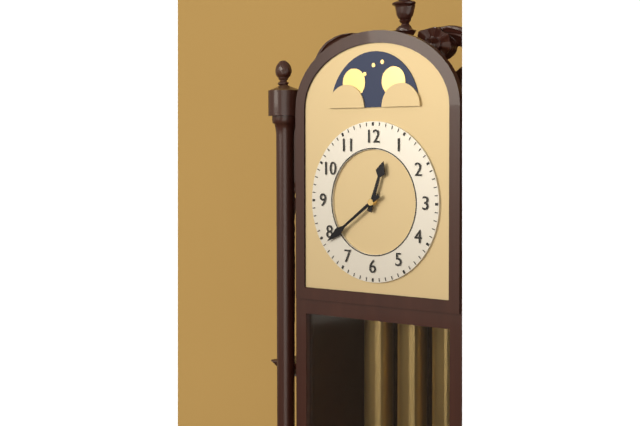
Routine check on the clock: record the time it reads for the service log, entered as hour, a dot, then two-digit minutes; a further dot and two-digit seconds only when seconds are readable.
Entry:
12.39
